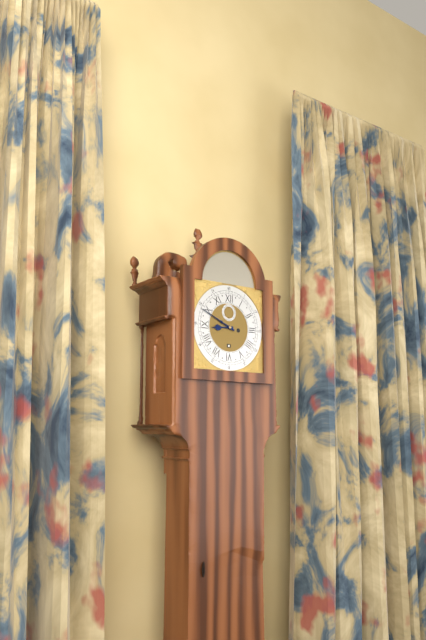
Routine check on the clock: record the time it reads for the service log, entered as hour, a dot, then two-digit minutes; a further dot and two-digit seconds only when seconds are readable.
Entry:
8.49
